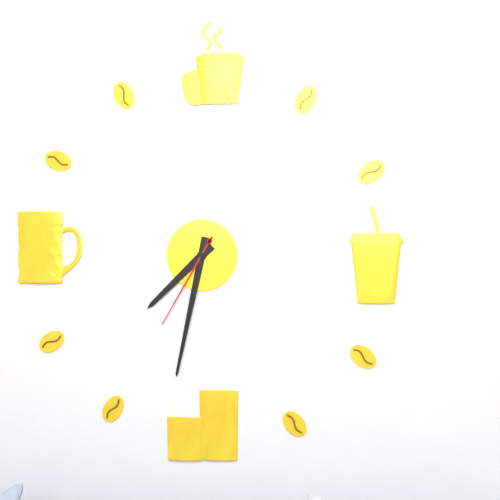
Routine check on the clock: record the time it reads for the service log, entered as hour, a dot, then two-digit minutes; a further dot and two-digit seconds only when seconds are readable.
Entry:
7.32.35
